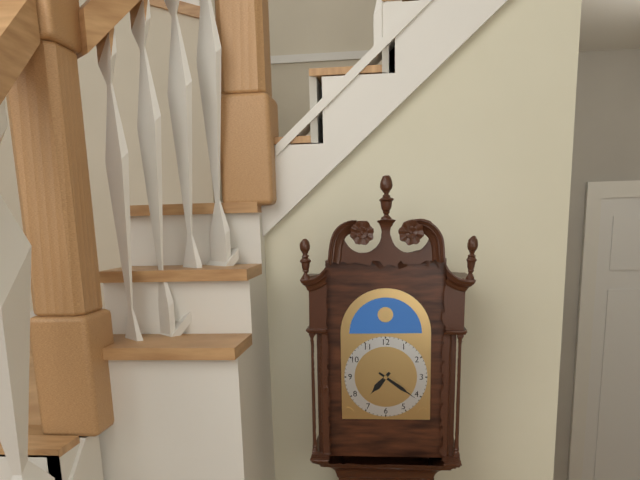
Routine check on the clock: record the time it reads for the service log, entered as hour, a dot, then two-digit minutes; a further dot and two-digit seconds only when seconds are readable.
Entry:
7.21
